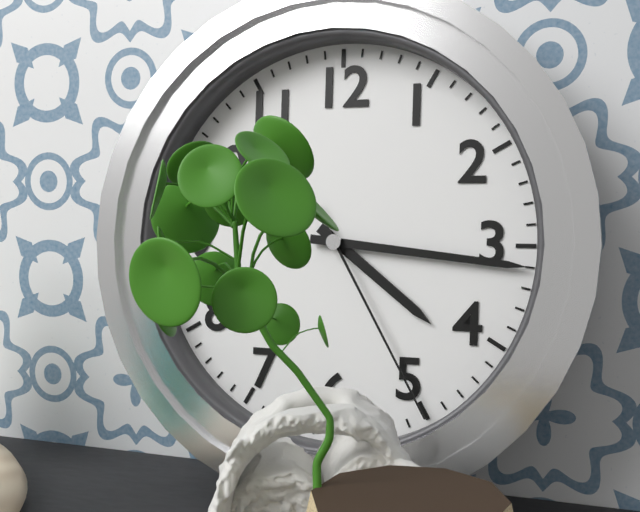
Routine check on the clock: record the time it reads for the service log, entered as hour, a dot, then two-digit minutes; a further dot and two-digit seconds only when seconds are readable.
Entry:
4.16.25
